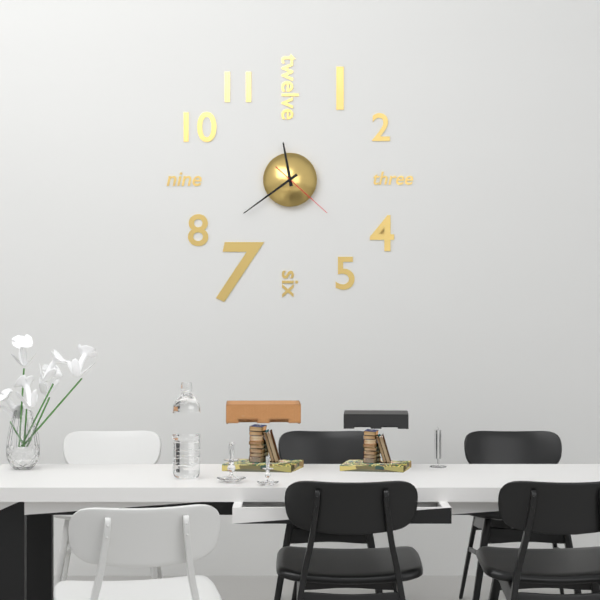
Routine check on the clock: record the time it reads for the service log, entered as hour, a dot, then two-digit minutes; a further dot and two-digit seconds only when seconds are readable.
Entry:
11.39.22
